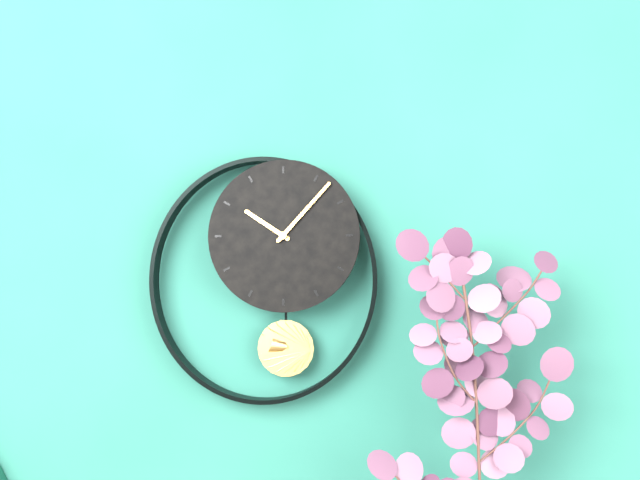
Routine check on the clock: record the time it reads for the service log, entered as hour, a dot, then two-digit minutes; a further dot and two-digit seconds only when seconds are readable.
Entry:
10.07
